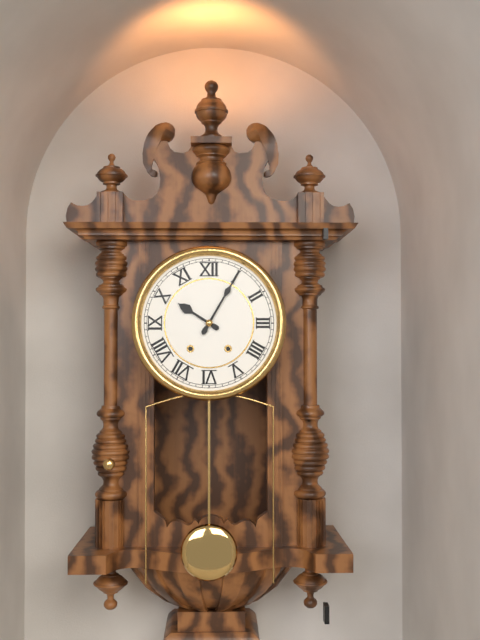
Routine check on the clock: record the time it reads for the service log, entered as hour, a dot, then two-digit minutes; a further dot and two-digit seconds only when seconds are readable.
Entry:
10.05
